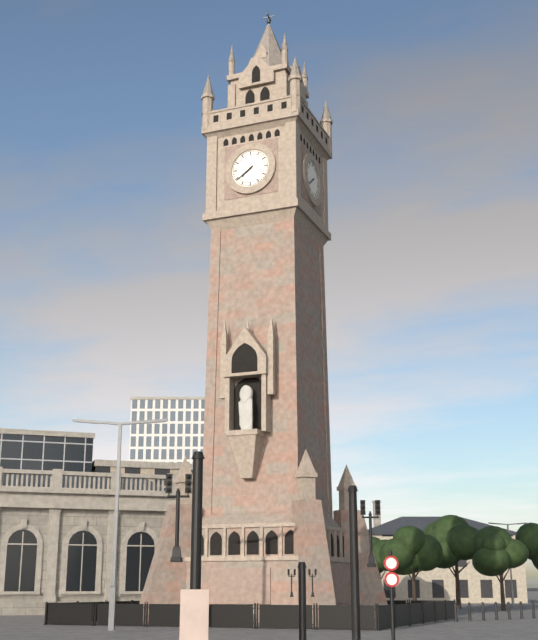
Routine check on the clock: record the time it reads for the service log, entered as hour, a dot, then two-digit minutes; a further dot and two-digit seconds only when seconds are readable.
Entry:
7.39
